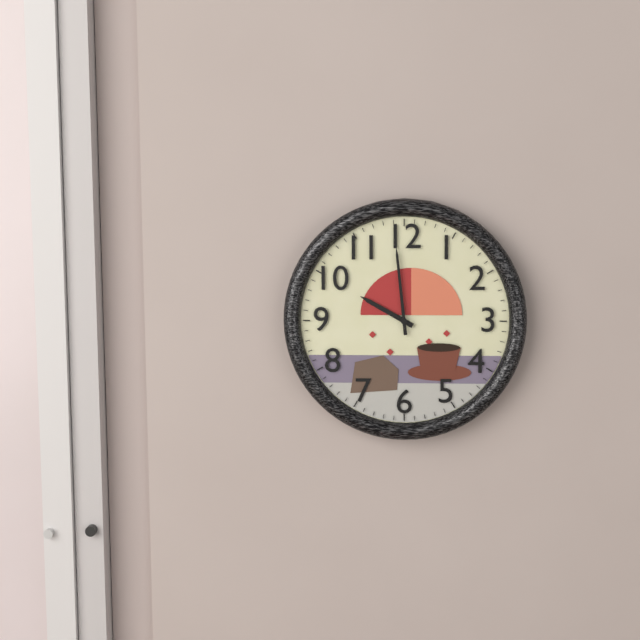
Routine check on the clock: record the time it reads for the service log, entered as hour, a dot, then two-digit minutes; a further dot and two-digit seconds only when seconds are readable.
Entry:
9.59
